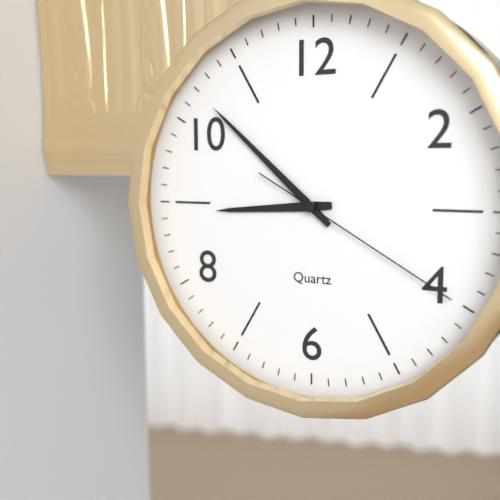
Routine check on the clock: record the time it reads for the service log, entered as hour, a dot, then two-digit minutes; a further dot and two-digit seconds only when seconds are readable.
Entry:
8.52.20
